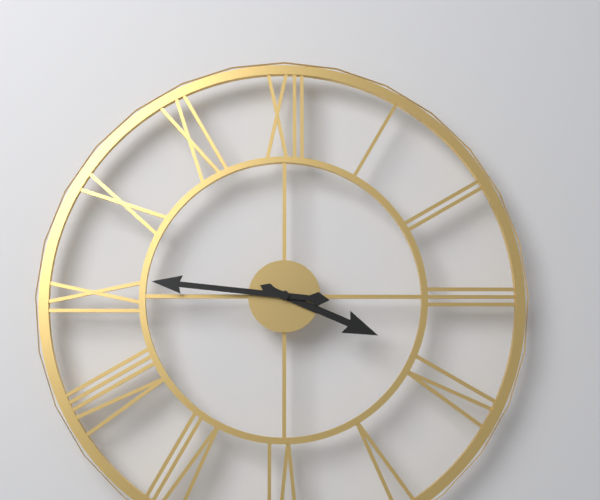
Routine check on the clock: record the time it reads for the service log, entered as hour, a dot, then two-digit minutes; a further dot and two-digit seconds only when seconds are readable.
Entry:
3.46
